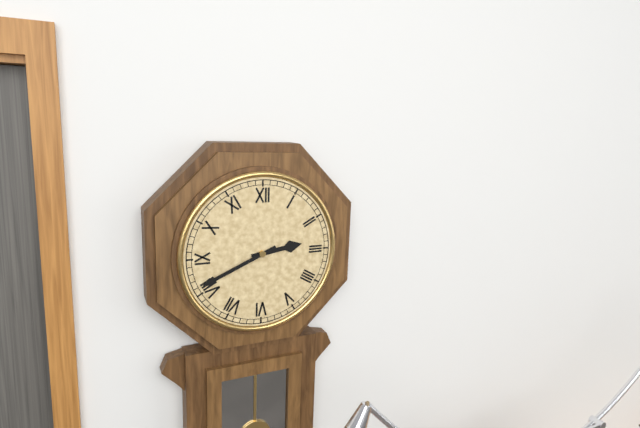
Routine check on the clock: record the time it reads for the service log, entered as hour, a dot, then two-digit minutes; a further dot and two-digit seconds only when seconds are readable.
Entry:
2.41
